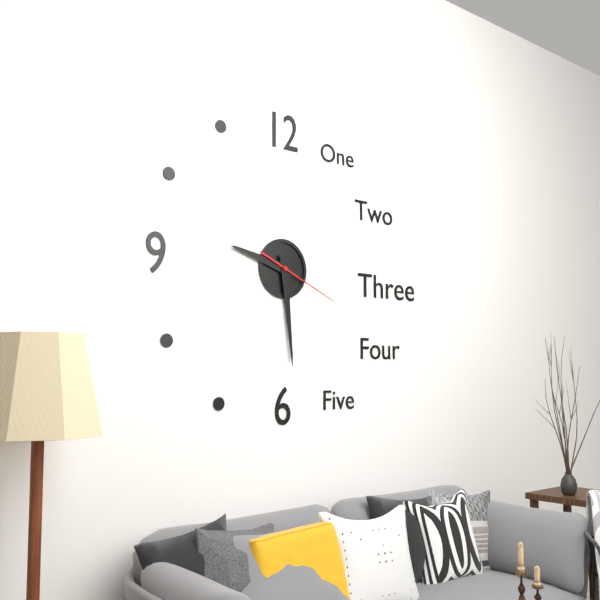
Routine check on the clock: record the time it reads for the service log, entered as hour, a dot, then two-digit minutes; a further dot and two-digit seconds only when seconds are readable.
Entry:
9.29.19
